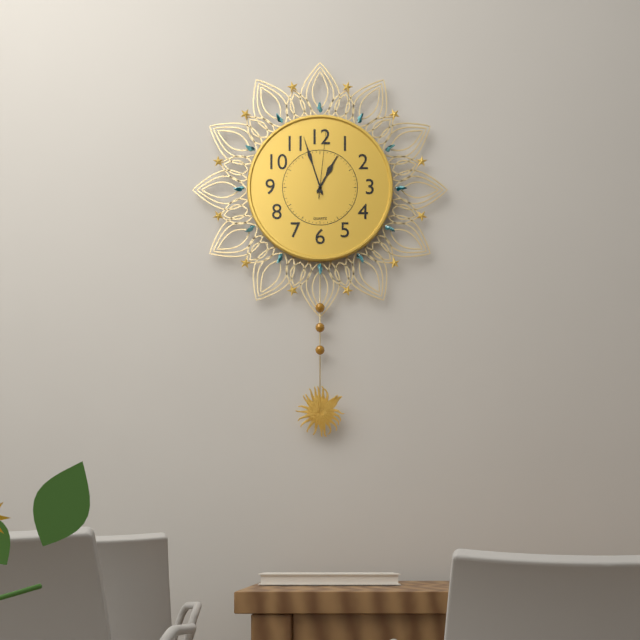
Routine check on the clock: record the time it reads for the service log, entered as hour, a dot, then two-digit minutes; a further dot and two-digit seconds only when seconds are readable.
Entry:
12.57.01
